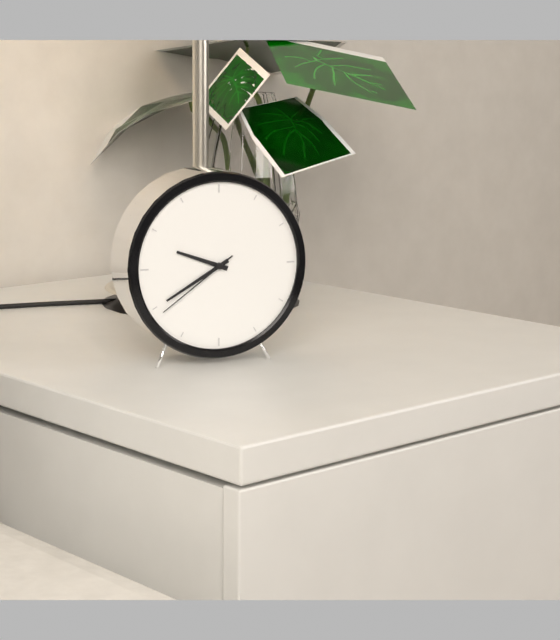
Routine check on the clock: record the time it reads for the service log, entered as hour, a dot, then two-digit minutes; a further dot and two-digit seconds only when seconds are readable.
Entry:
9.40.39
